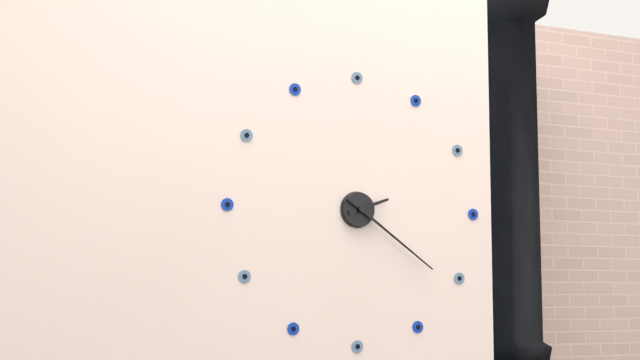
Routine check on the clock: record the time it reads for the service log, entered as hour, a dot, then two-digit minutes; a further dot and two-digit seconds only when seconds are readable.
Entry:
2.21
